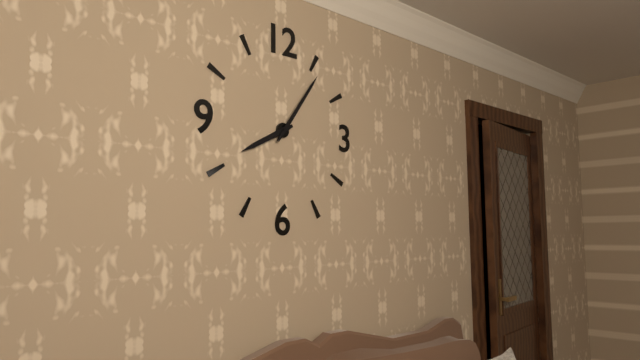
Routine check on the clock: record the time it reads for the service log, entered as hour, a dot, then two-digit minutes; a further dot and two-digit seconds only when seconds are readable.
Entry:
8.06
